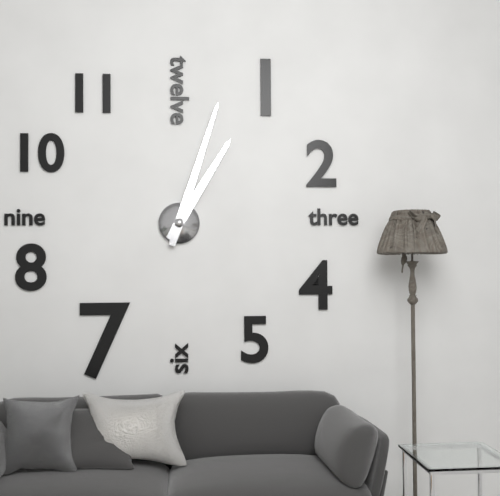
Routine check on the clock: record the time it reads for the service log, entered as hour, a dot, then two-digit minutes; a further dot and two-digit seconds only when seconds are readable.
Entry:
1.03
